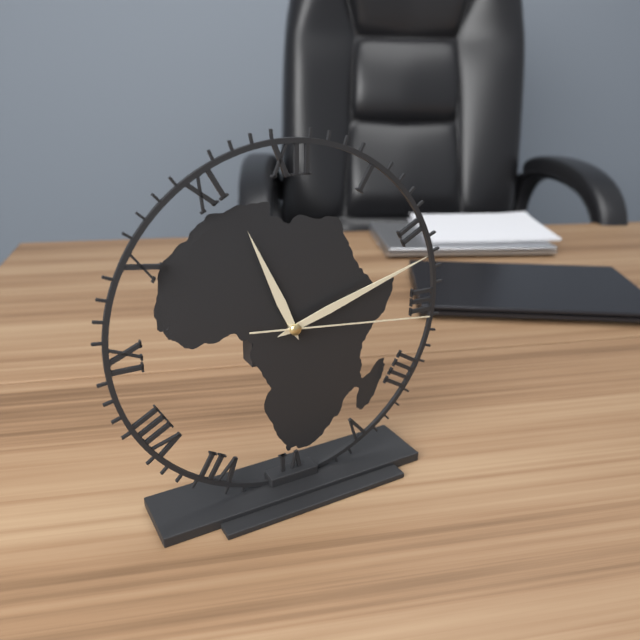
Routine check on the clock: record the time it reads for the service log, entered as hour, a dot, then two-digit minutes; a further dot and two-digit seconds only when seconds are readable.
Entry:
11.12.16
